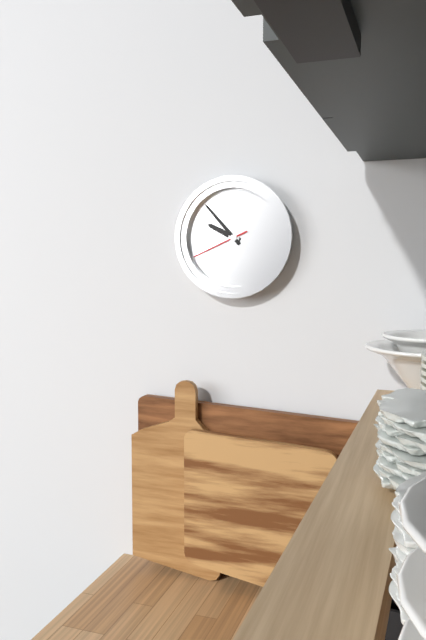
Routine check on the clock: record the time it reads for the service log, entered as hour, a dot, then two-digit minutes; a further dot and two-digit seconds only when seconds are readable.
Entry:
9.53.41
